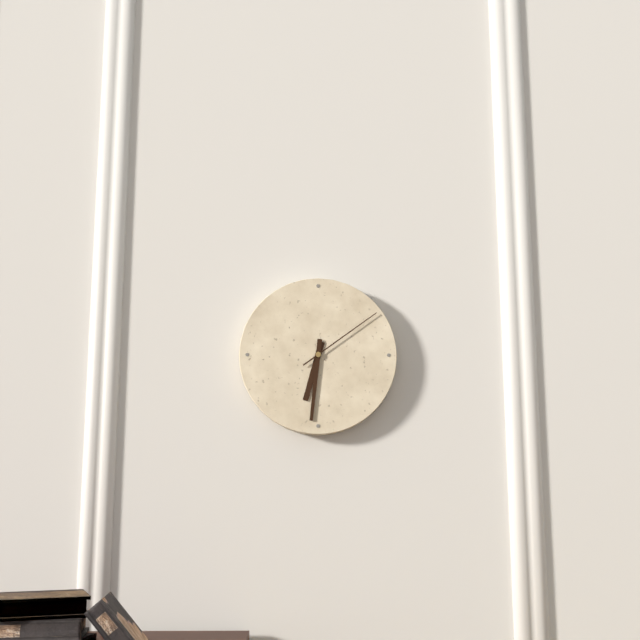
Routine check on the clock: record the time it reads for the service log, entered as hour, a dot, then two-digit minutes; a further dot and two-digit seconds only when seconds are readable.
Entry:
6.31.09
